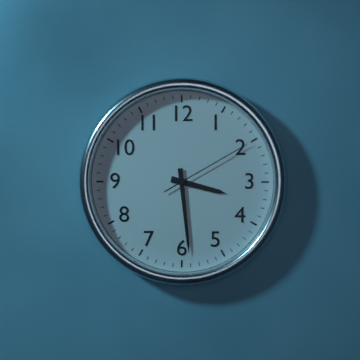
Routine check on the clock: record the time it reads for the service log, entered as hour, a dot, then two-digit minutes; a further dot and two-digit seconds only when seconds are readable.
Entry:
3.29.10
